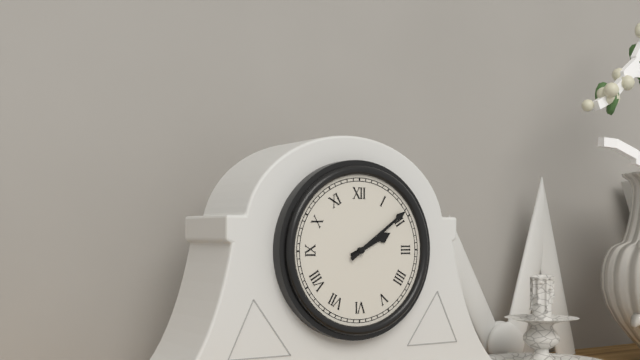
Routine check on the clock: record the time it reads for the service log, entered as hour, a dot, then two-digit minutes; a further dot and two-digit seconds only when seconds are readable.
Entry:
2.09
